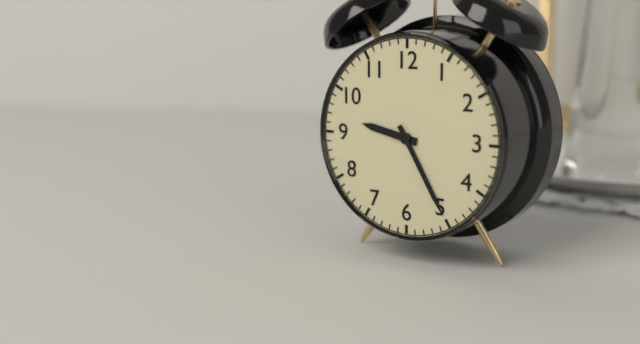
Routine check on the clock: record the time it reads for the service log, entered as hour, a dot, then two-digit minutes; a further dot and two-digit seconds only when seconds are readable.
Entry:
9.25
